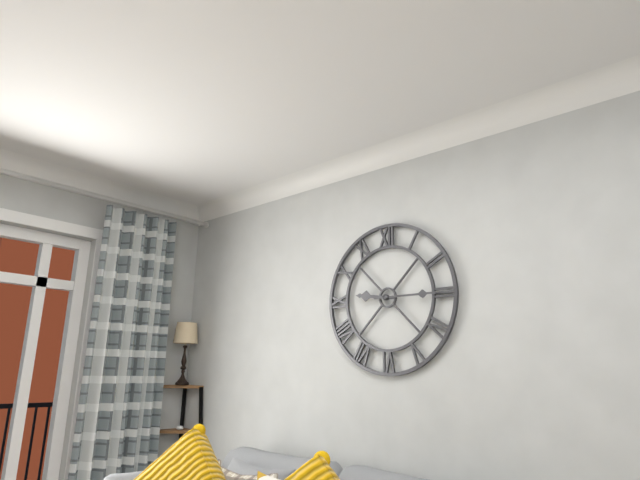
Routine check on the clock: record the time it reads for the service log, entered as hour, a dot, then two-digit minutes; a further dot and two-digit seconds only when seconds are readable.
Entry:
9.15
